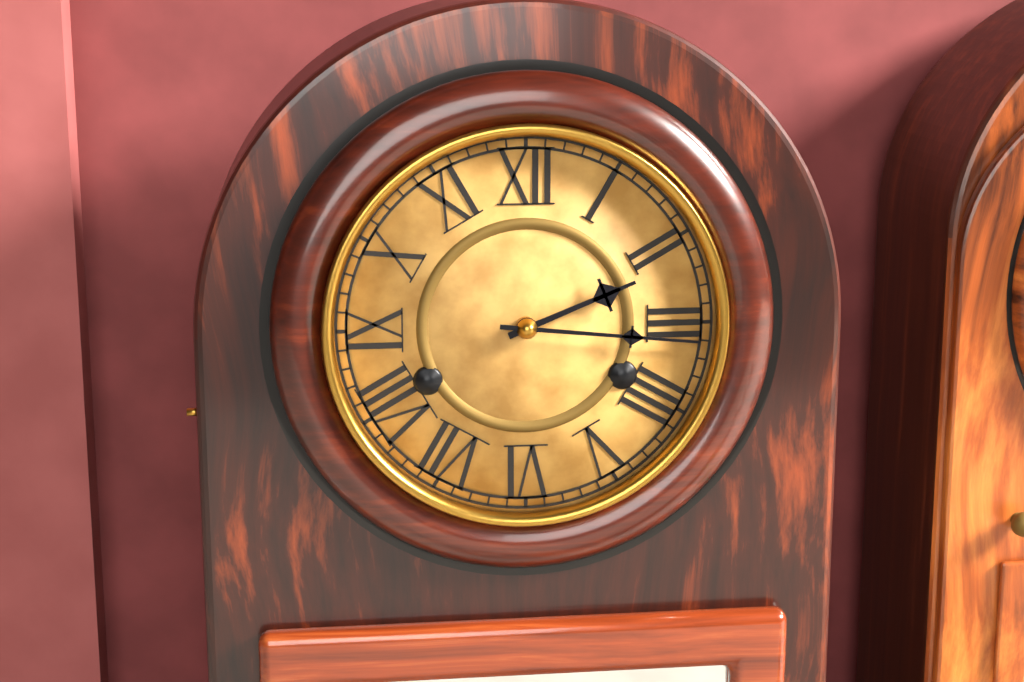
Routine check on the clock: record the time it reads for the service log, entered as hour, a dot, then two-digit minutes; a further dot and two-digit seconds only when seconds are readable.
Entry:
2.16
